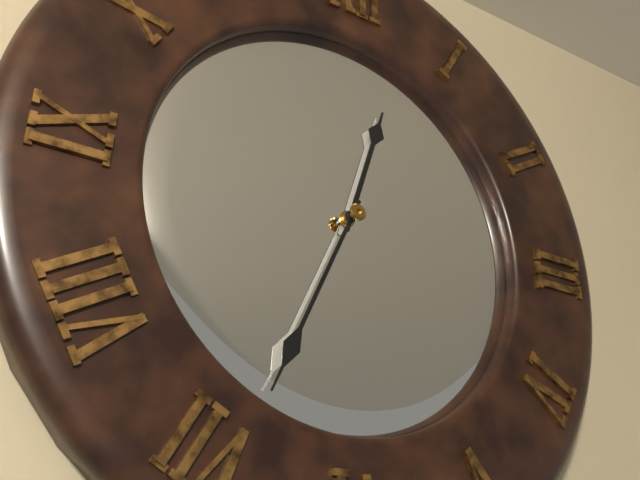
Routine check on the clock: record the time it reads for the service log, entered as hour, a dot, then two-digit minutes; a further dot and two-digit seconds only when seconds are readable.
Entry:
12.34
